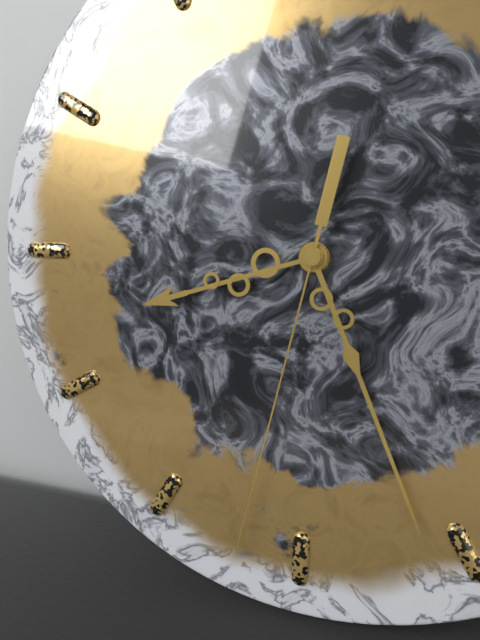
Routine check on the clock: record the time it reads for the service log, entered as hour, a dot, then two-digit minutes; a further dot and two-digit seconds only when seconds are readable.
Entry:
8.26.32
